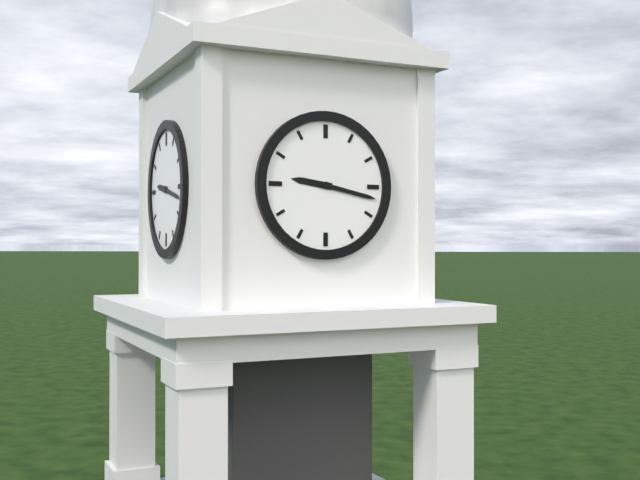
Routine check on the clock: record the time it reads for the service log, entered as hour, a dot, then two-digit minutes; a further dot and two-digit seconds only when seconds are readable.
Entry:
9.17
